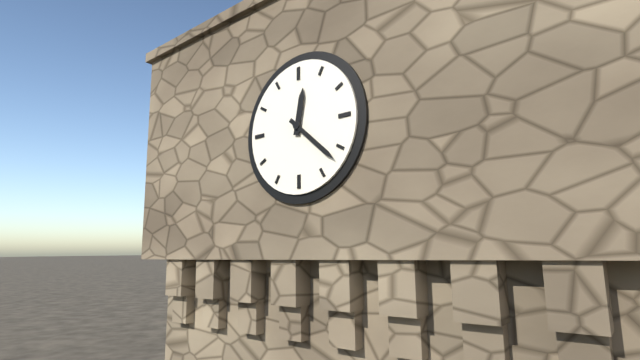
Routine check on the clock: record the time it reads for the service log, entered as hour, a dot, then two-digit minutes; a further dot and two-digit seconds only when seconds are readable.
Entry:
12.22
